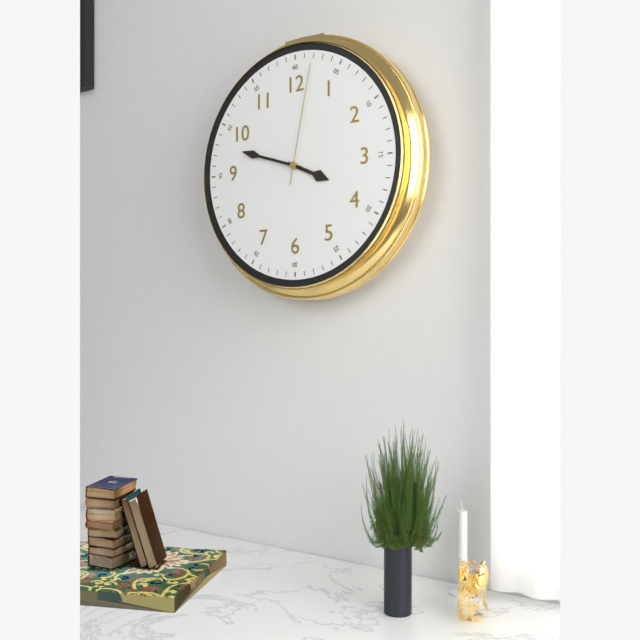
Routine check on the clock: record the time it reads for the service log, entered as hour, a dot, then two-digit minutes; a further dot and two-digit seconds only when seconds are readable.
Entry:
3.48.02
